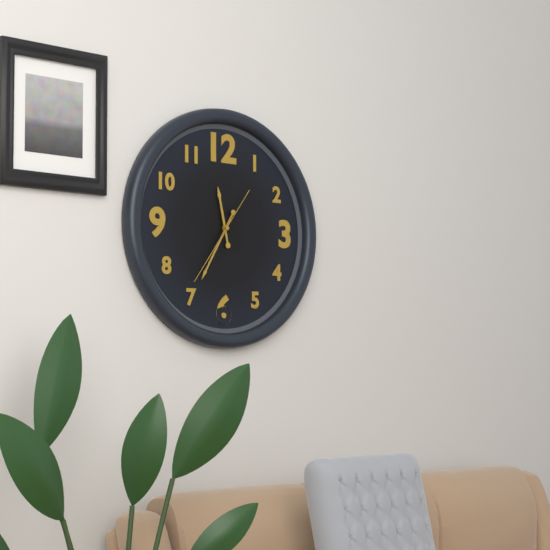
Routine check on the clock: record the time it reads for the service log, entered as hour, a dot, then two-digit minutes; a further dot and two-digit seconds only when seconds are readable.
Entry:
11.35.36
